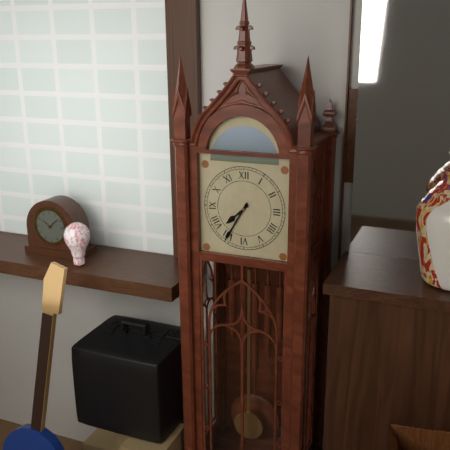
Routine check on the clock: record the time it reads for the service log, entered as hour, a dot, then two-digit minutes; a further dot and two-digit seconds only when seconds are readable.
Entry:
7.35
